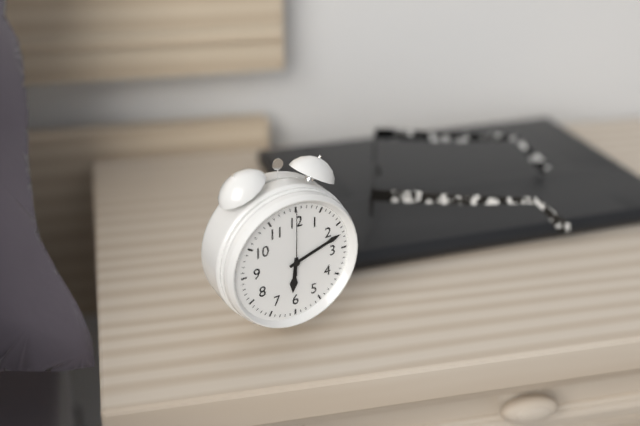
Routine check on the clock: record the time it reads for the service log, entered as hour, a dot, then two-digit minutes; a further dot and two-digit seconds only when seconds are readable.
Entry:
6.12.00
